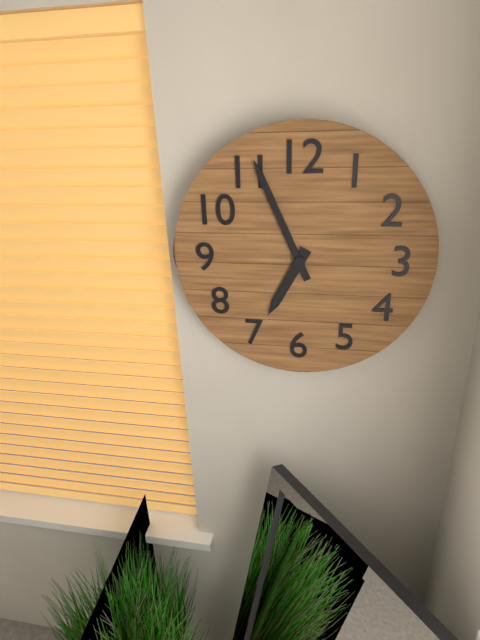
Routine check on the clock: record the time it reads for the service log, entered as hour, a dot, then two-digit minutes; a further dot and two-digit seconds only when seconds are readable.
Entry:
6.56
